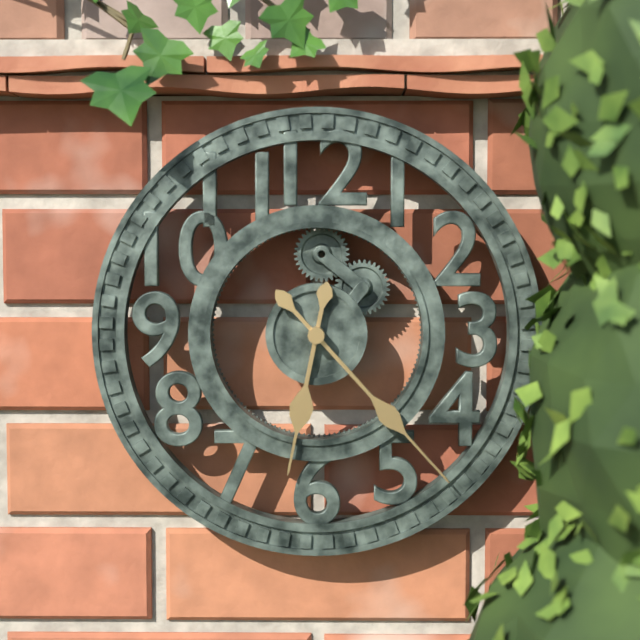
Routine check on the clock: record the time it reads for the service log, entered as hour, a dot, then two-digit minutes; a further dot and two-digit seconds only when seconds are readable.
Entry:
6.23
